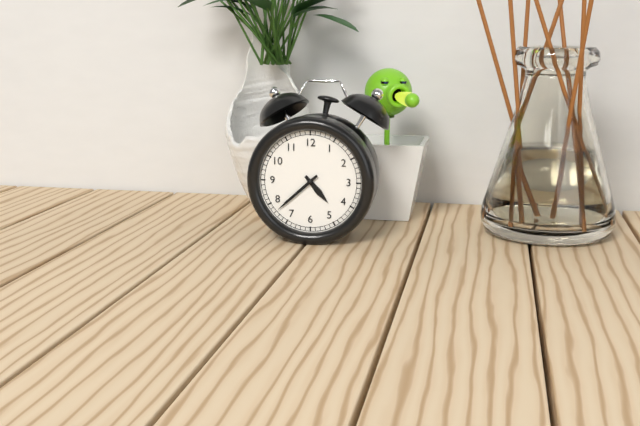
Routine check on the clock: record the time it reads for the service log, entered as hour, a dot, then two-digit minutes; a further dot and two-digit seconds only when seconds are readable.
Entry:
4.38
